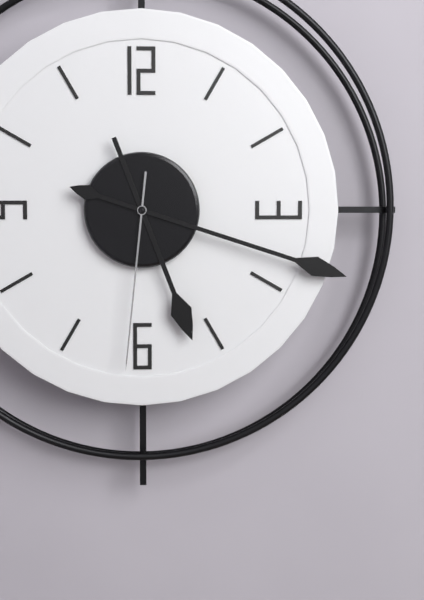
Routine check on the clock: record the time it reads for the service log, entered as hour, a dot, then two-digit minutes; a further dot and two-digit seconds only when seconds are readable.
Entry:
5.18.31
